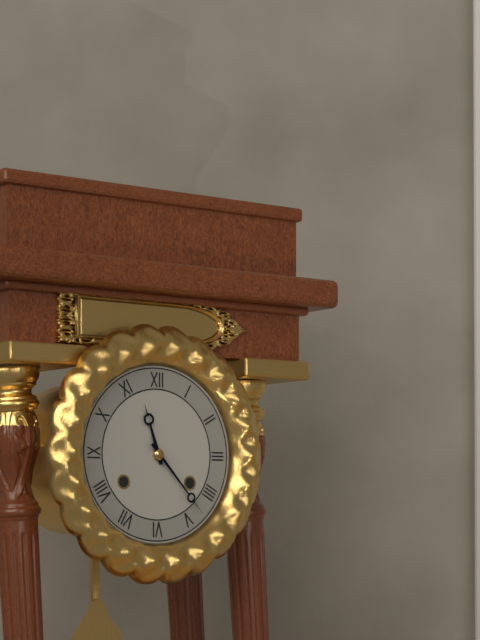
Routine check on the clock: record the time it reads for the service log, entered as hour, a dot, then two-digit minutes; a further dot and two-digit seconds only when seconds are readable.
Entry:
11.23
